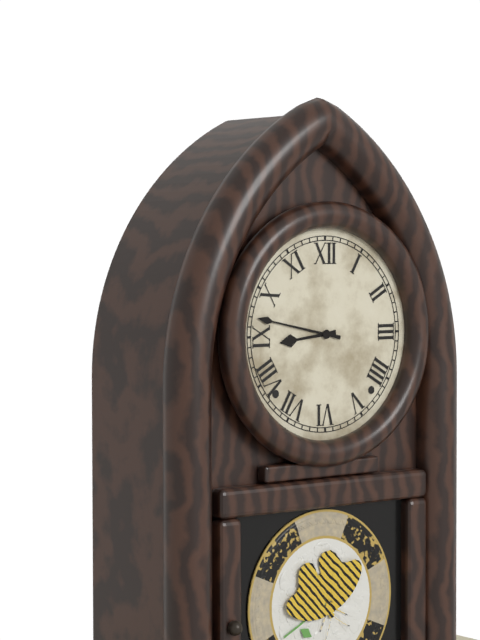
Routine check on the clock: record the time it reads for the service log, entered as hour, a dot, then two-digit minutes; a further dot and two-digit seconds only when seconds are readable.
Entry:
8.47
